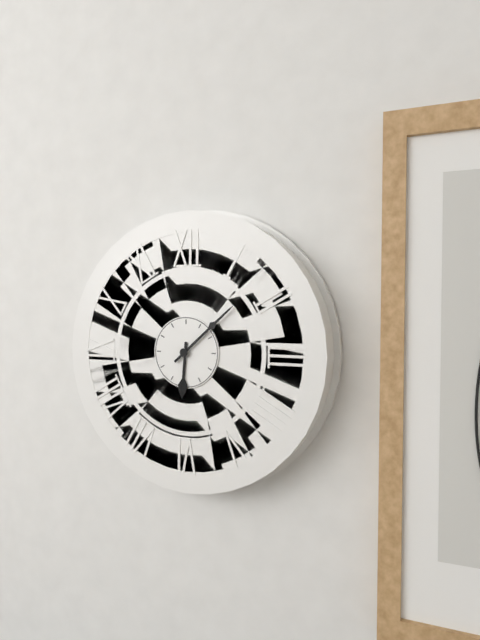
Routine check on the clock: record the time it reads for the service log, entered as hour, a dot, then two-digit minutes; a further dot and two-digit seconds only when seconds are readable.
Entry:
6.08
